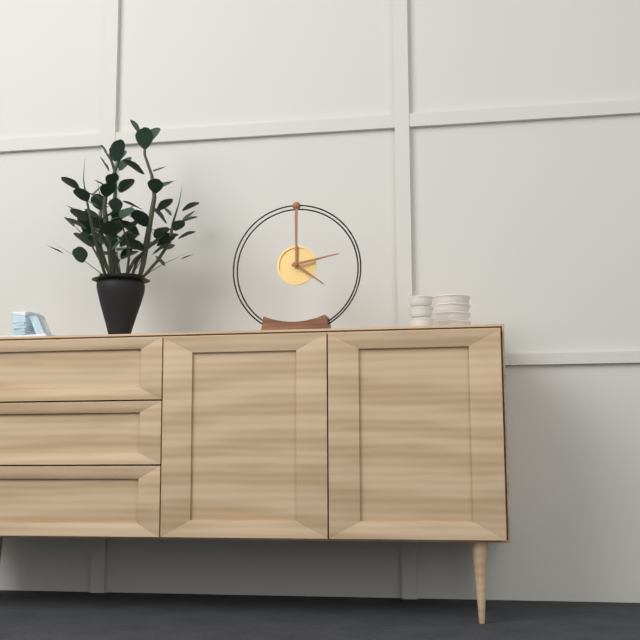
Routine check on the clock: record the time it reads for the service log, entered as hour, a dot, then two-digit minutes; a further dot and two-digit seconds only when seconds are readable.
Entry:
4.13
